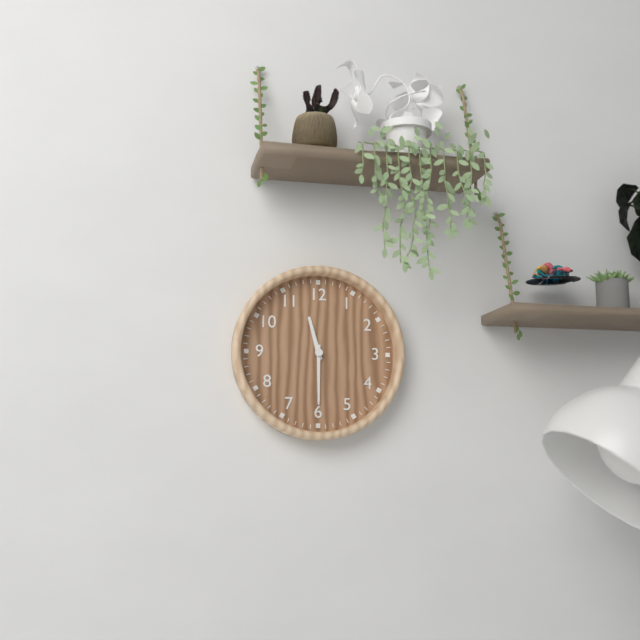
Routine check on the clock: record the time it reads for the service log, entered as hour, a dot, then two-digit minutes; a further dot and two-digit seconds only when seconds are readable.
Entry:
11.30
